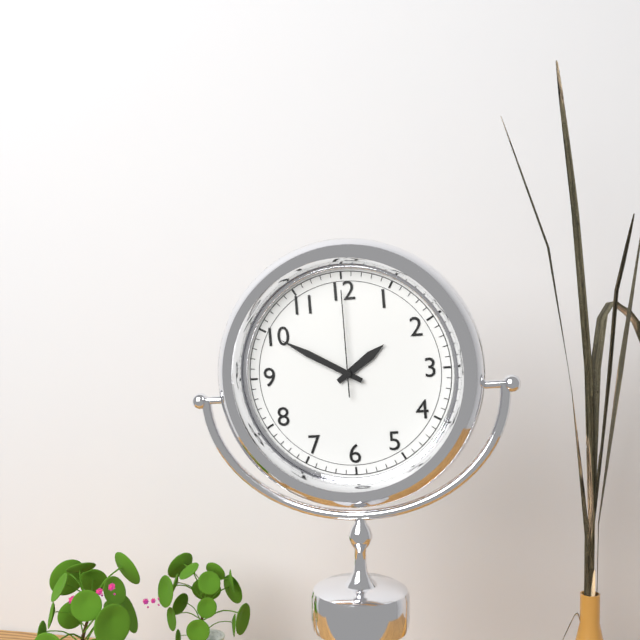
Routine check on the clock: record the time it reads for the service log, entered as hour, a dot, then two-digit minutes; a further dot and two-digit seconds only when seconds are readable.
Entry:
1.50.00
